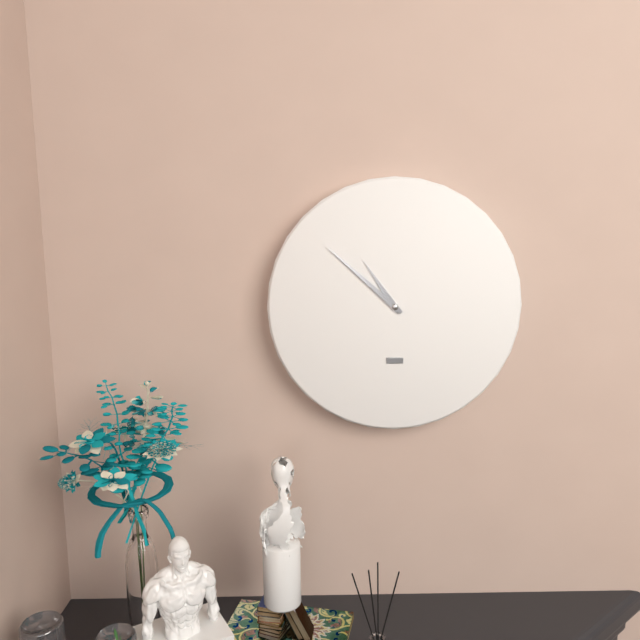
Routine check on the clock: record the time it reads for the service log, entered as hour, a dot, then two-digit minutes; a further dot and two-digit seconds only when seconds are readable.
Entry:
10.52
